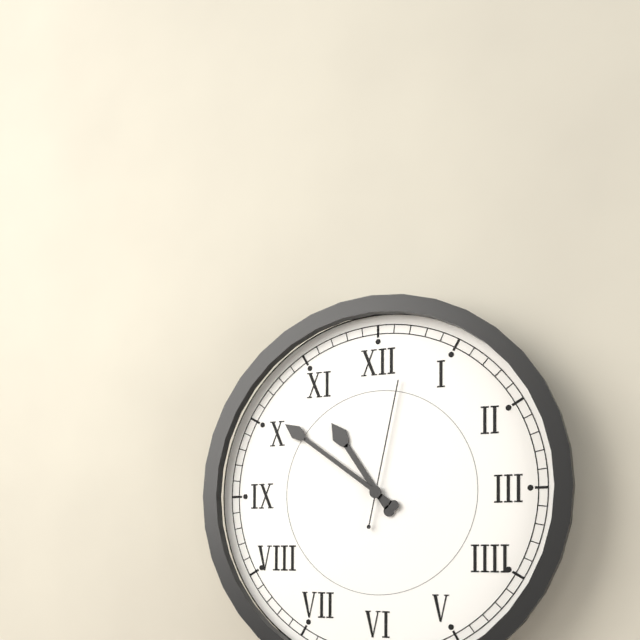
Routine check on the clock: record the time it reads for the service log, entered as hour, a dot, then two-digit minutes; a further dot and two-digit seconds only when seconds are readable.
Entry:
10.51.02
